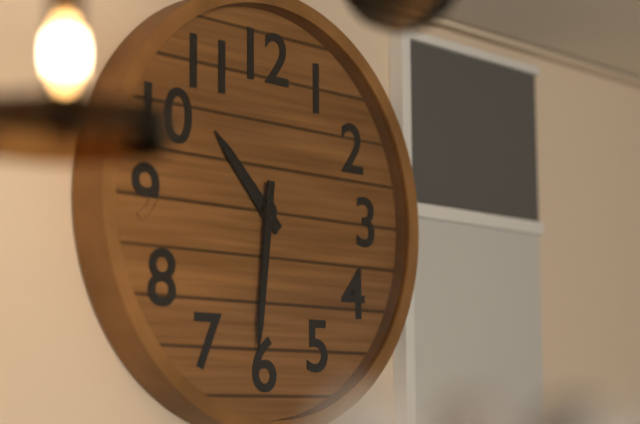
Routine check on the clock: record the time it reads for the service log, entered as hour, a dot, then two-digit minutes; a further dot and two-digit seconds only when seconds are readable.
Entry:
10.31
